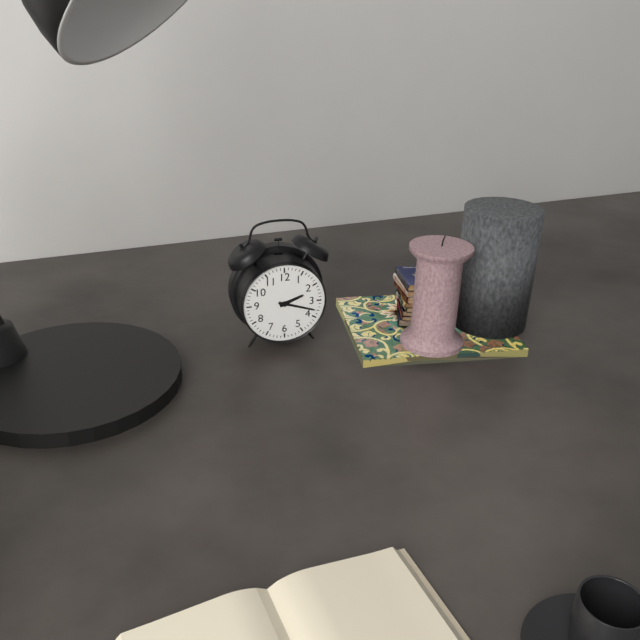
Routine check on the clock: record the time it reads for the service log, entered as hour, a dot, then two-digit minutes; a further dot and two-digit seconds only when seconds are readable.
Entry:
2.18
